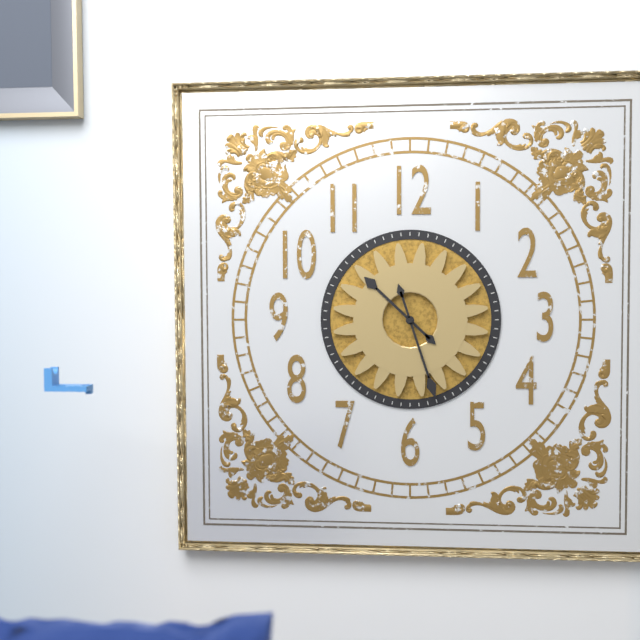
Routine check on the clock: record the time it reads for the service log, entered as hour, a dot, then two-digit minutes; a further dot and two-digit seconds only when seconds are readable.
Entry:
10.27
